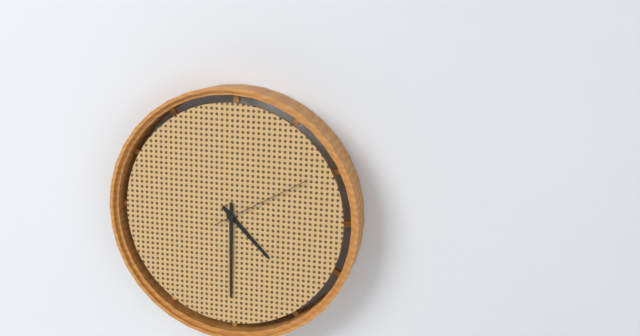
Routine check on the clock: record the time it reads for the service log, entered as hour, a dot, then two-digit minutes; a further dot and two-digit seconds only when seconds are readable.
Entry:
4.30.10
